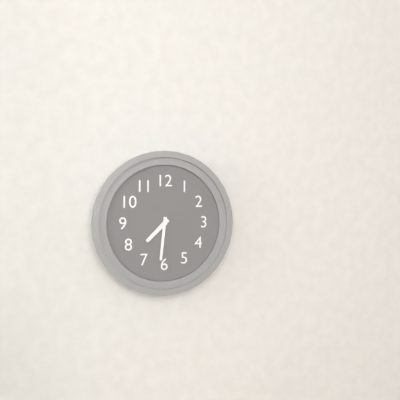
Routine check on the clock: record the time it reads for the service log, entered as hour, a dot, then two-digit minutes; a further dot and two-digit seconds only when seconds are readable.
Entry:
7.31
